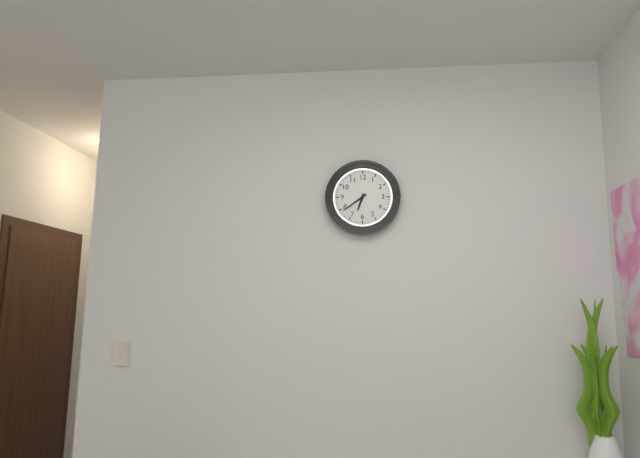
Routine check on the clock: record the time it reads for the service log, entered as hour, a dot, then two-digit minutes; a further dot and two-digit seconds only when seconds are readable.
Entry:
6.39
